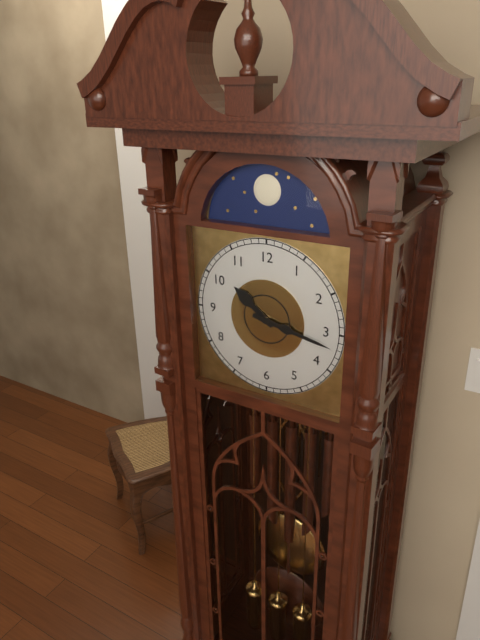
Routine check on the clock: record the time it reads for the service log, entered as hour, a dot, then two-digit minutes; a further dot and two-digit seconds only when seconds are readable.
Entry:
10.17
